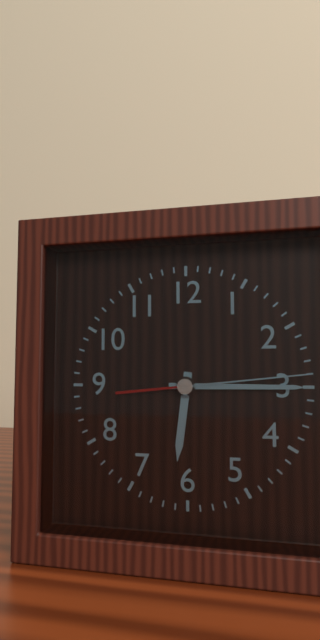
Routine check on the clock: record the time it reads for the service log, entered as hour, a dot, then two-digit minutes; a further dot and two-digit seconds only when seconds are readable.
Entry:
6.15.14
